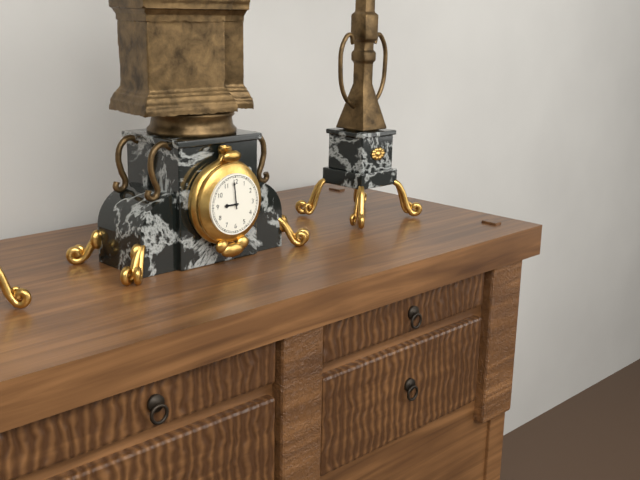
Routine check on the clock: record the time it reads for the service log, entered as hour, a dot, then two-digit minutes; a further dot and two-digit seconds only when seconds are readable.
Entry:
8.59
